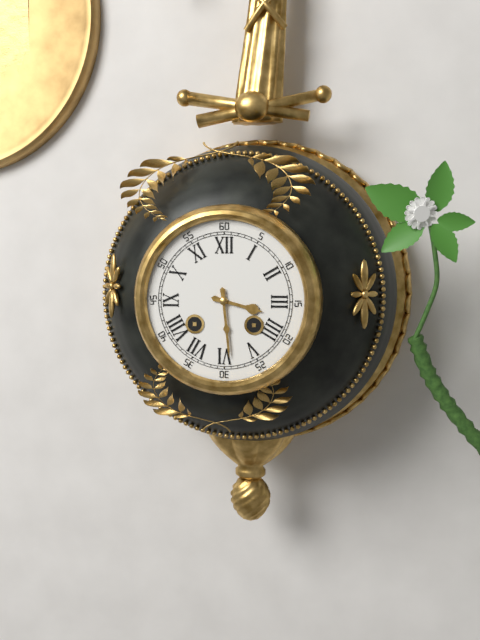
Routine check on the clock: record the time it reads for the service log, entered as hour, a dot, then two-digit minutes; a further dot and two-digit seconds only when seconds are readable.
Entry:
3.29
